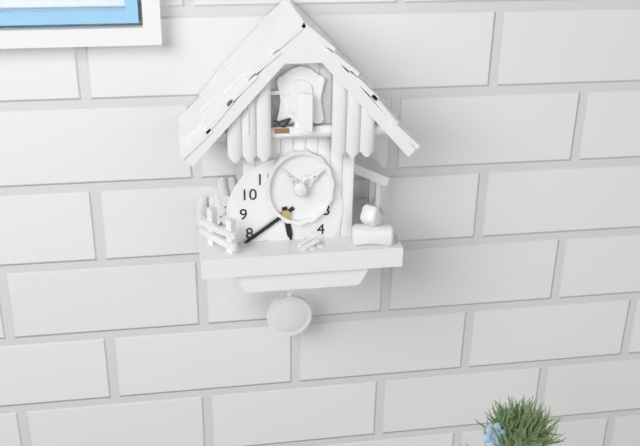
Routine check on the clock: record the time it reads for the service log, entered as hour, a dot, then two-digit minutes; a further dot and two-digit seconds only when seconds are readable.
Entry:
5.39
